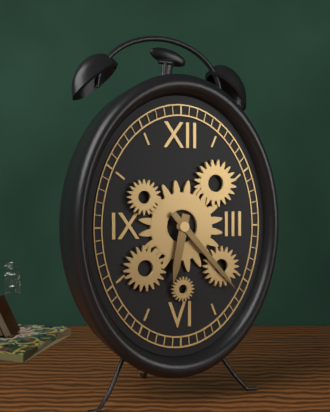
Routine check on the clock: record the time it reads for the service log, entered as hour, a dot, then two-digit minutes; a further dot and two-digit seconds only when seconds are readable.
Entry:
6.23
